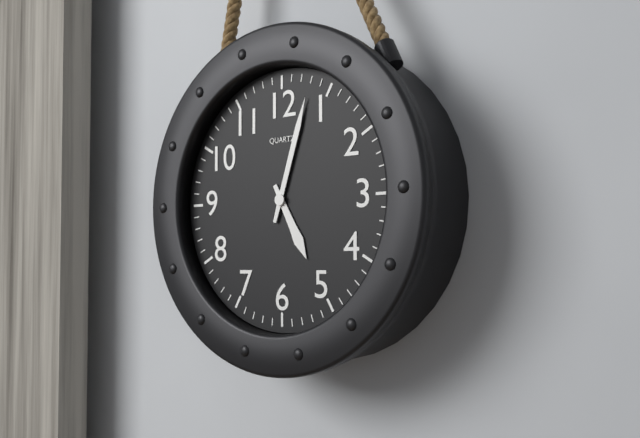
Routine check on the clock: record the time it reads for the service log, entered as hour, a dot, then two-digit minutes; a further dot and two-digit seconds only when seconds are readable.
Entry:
5.03
